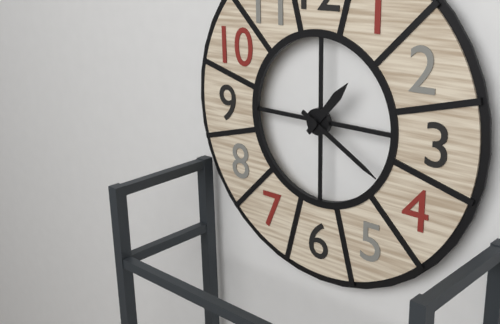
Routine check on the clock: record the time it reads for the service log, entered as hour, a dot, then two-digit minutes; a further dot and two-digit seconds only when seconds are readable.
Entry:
1.20
